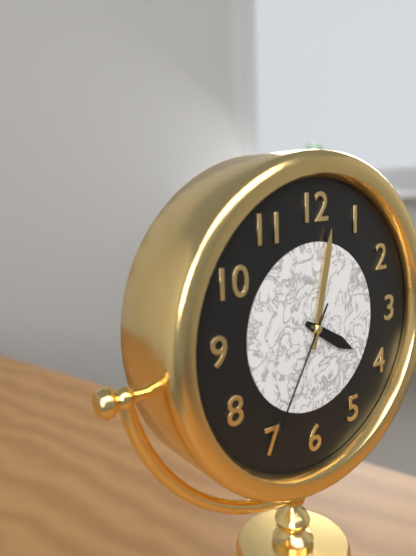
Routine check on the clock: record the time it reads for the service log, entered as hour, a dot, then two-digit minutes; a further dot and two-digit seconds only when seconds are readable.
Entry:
4.02.35
